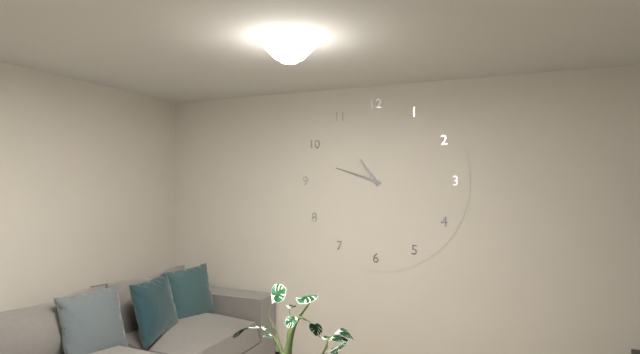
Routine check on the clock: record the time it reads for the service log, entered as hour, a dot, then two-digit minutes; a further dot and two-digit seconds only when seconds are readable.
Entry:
10.48
